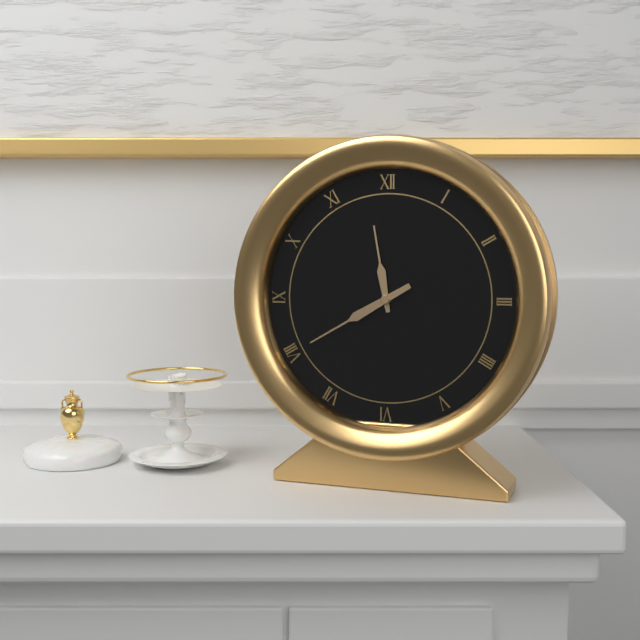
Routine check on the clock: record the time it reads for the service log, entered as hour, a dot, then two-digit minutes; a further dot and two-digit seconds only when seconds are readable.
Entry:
11.40
